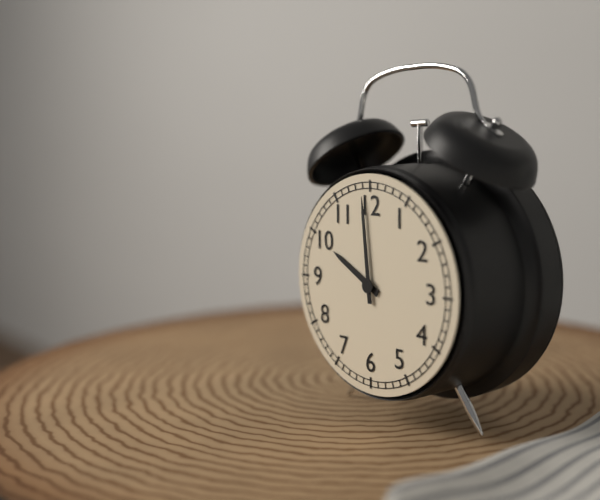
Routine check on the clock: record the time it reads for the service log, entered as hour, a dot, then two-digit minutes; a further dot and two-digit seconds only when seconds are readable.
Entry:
9.59
